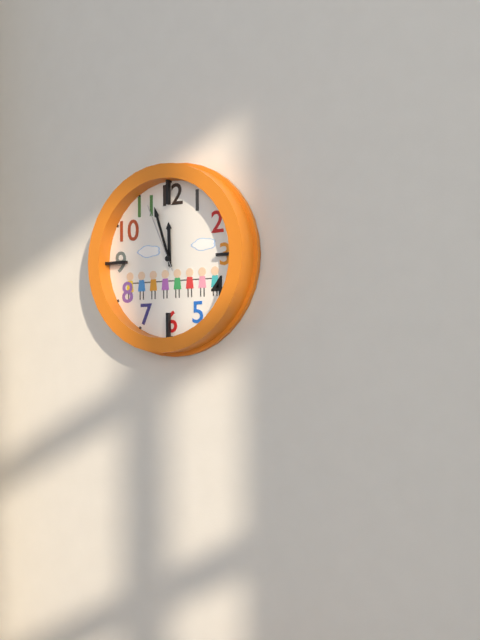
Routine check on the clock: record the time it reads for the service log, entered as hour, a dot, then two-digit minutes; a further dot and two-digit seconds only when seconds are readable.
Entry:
11.57.56
